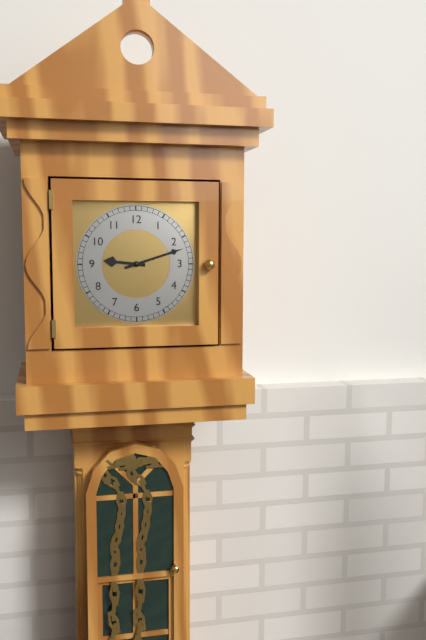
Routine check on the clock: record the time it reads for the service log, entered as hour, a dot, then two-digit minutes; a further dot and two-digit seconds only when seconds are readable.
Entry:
9.12
